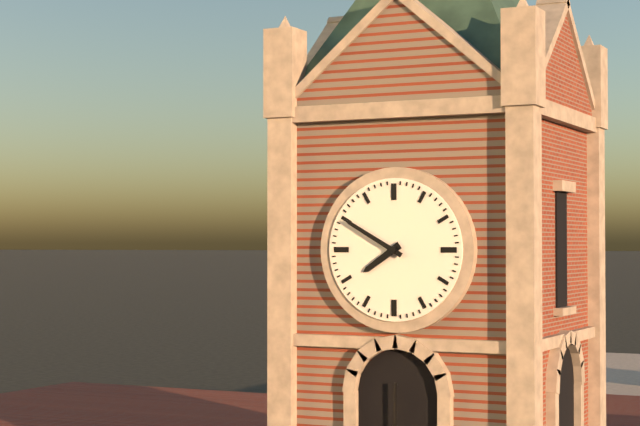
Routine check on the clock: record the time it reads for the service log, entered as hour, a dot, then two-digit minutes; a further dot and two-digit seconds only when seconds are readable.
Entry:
7.50
